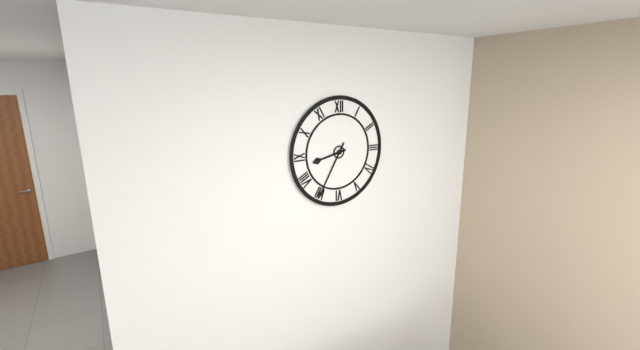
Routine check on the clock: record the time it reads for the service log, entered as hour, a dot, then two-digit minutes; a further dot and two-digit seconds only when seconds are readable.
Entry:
8.35
